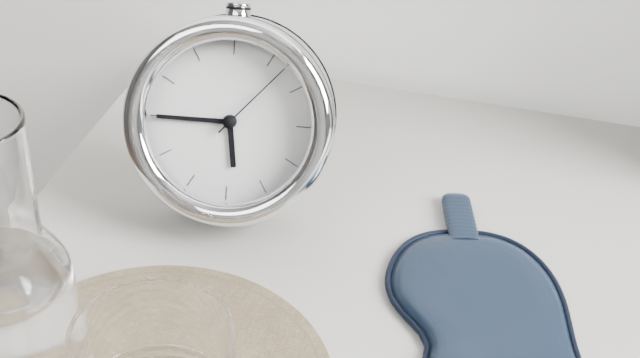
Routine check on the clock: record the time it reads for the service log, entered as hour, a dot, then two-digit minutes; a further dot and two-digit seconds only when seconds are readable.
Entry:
5.45.07
